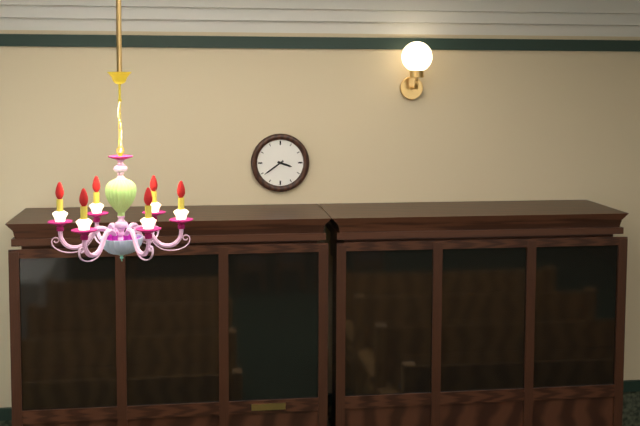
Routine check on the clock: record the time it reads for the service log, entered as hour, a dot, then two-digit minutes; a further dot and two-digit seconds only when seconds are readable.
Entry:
3.39
